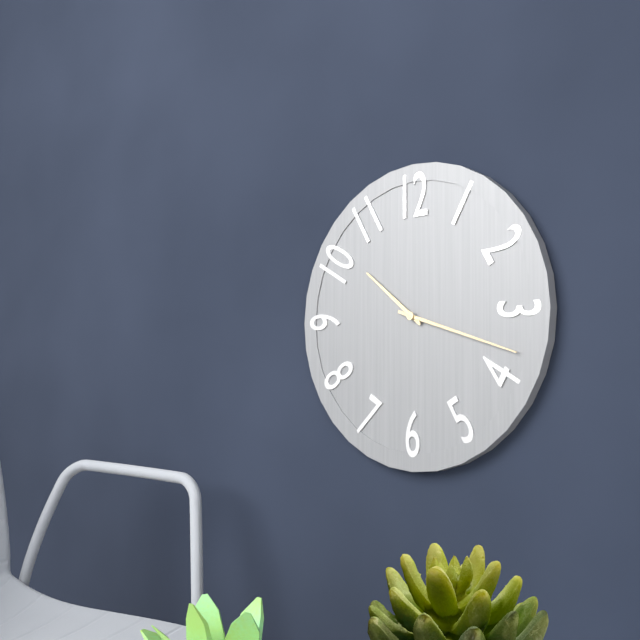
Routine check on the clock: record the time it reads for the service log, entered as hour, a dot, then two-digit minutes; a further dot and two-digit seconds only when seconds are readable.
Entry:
10.18
